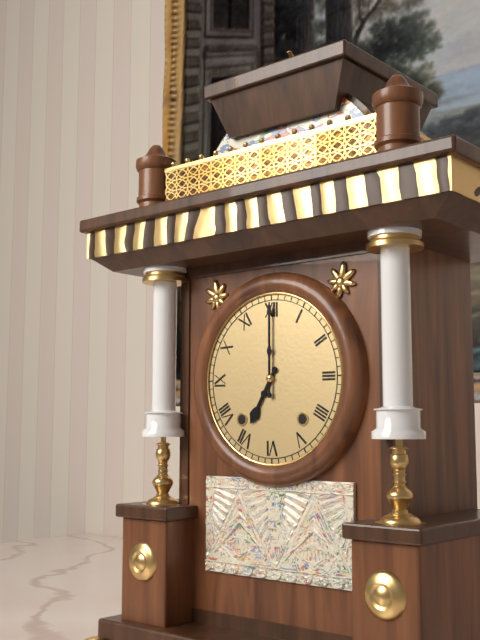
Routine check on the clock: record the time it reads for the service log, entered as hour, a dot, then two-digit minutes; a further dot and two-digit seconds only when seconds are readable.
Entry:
7.00
